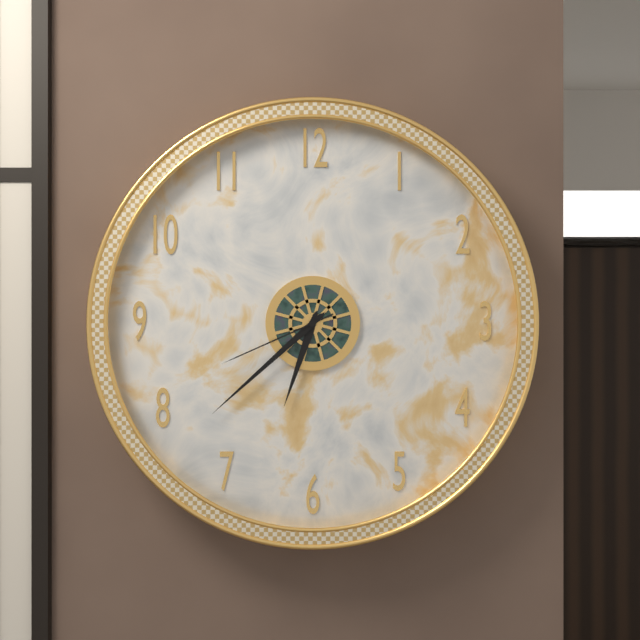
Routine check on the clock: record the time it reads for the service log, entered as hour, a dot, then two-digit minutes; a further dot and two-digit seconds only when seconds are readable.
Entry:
6.38.41
